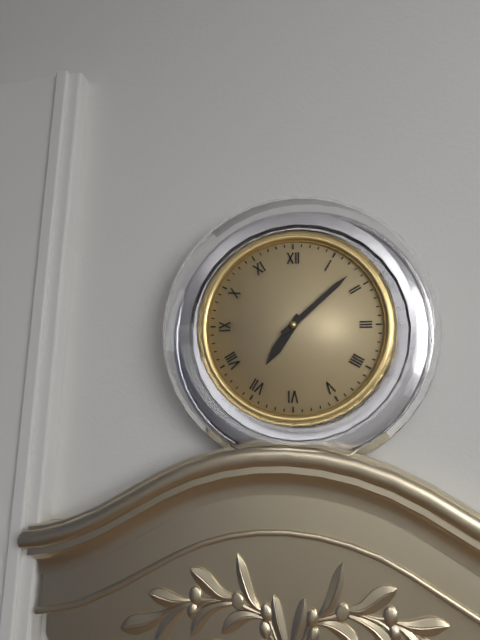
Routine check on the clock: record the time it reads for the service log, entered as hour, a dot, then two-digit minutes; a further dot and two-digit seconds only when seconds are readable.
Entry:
7.08
